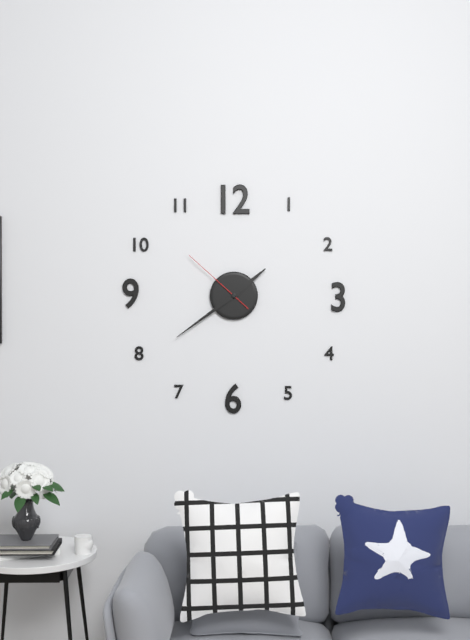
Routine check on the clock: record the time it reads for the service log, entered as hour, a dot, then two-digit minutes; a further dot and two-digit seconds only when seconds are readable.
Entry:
1.39.52
